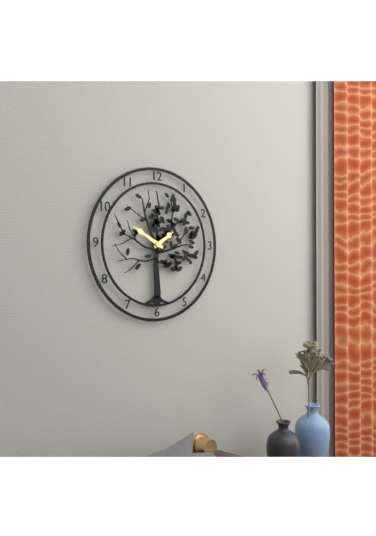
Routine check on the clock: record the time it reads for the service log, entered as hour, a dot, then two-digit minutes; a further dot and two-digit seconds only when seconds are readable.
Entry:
1.50
